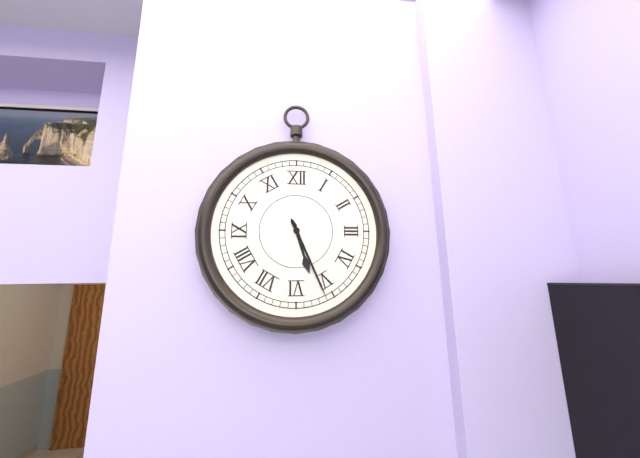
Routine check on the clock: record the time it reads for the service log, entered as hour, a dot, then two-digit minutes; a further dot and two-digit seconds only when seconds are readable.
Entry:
5.26
